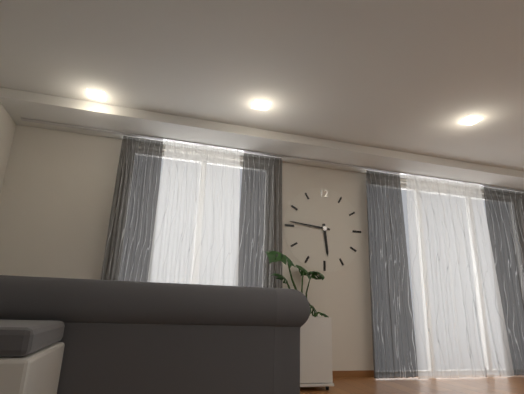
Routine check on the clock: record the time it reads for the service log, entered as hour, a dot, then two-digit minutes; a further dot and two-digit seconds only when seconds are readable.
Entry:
5.46
